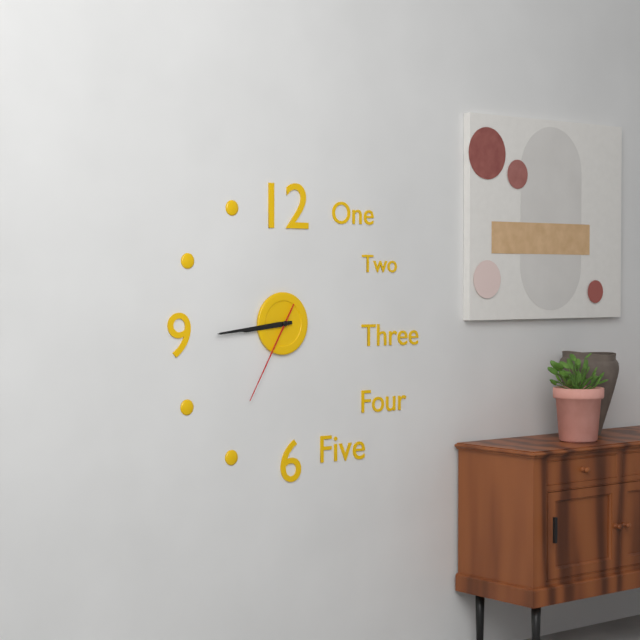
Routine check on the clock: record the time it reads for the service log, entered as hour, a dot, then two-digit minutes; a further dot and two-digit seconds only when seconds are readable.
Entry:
8.44.35
